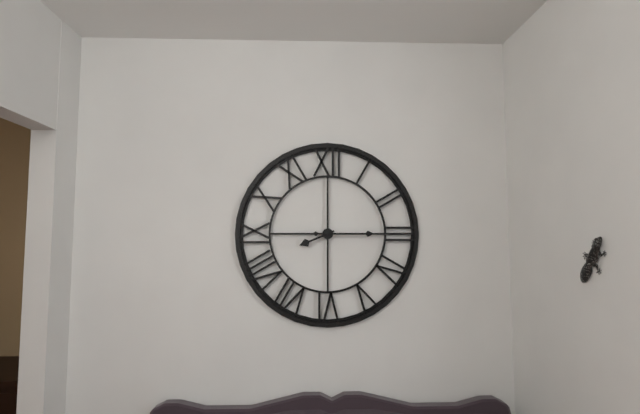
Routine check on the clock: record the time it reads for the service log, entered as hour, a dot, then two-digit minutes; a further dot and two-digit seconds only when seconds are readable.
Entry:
8.15
